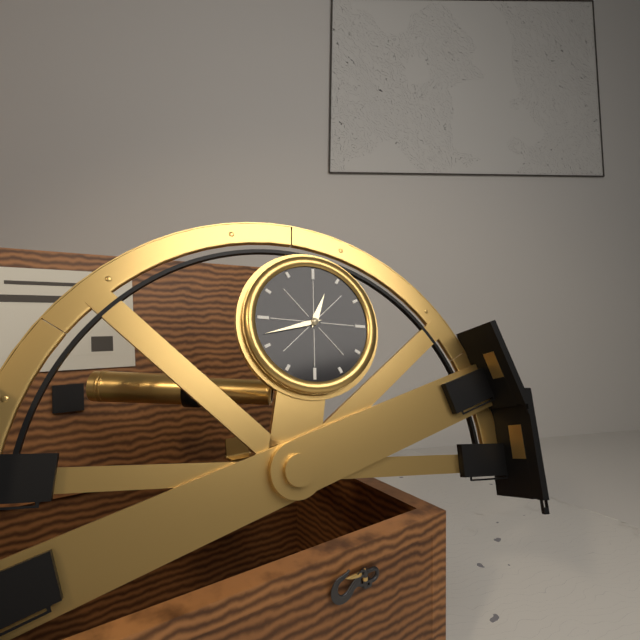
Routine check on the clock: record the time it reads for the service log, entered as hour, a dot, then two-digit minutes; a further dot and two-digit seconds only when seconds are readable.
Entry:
12.42
